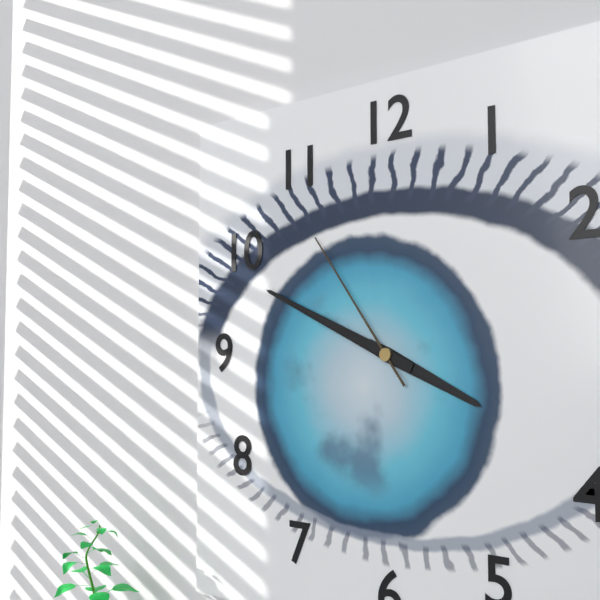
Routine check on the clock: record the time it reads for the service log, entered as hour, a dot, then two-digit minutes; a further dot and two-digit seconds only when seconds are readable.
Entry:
3.49.54
